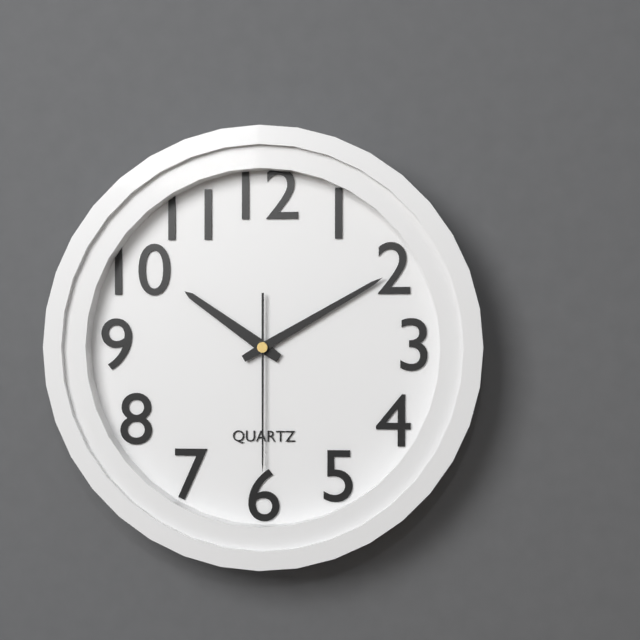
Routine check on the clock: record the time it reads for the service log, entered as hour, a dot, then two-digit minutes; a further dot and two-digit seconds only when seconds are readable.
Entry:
10.10.30
